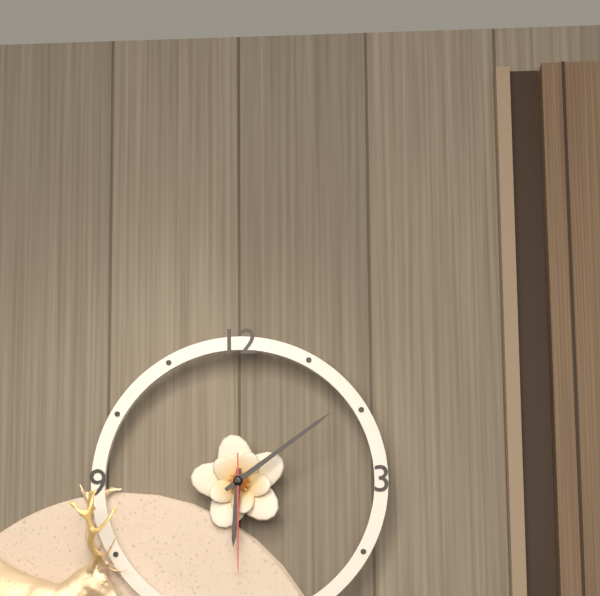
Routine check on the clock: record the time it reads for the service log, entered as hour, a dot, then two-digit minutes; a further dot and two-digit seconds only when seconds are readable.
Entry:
6.09.30
